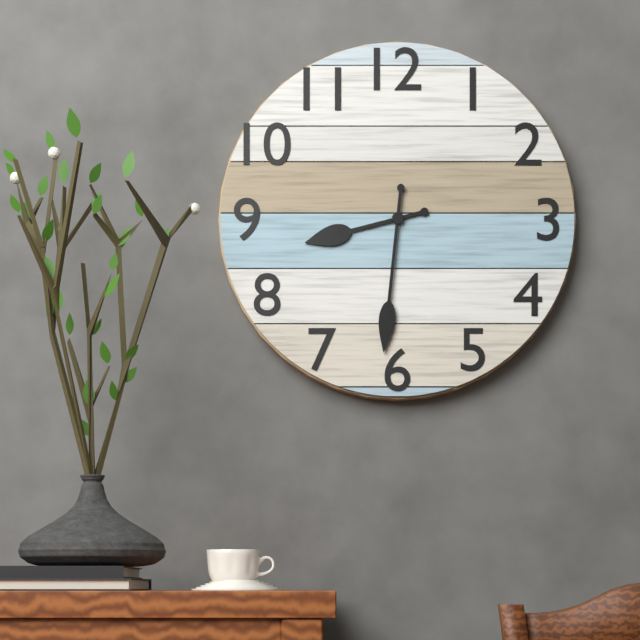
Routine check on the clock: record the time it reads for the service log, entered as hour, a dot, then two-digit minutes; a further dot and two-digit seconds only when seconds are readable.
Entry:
8.31
